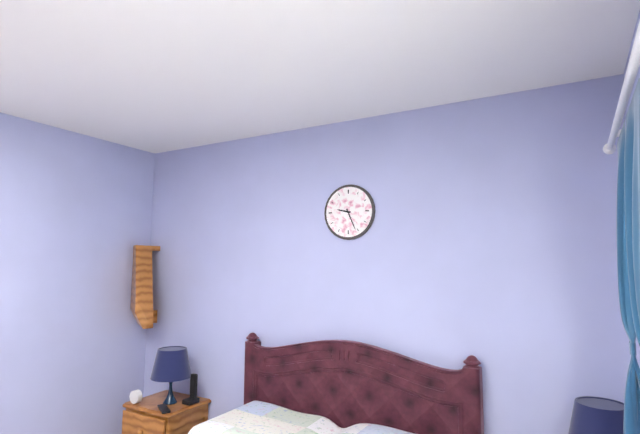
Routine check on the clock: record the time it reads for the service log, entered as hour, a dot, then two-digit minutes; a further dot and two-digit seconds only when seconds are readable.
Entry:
9.26
